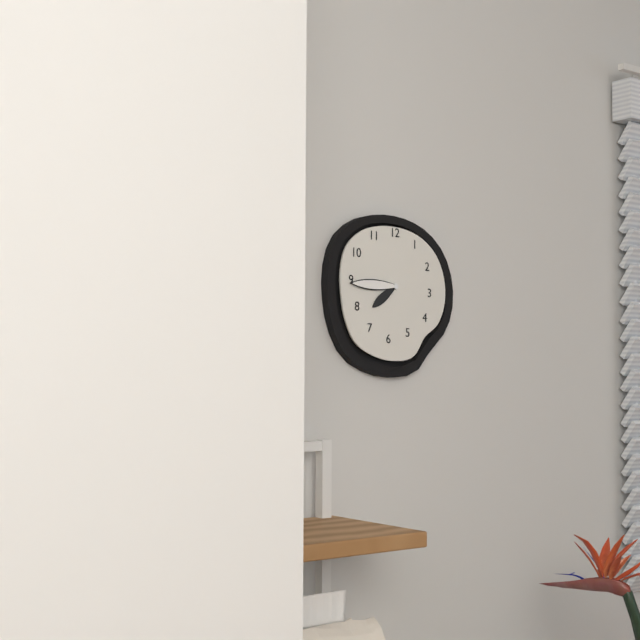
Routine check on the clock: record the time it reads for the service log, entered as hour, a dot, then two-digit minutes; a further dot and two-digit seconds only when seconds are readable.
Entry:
7.45
